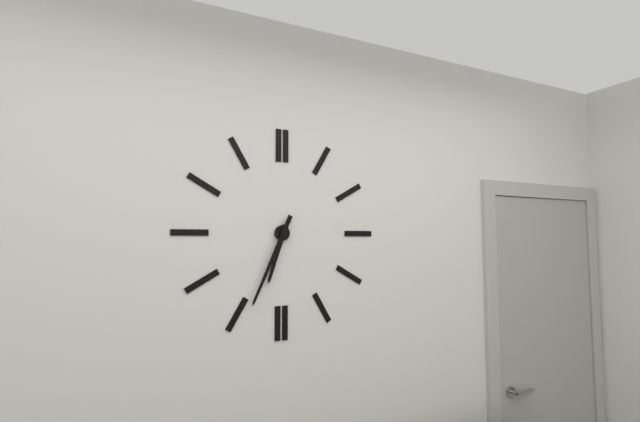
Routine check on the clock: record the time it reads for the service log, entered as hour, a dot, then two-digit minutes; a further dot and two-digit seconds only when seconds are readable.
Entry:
6.34
